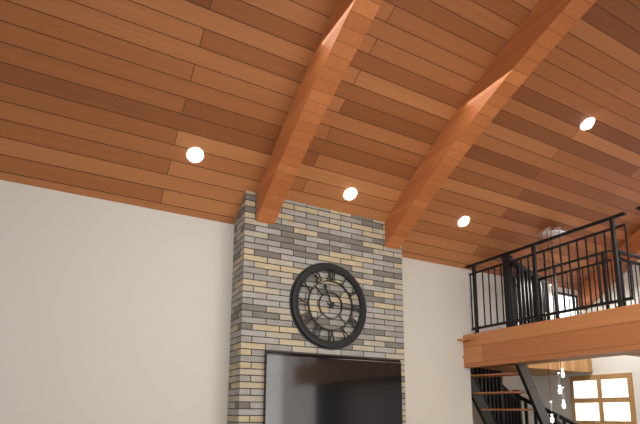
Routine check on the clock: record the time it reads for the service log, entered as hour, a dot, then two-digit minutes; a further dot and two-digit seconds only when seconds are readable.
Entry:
11.16
